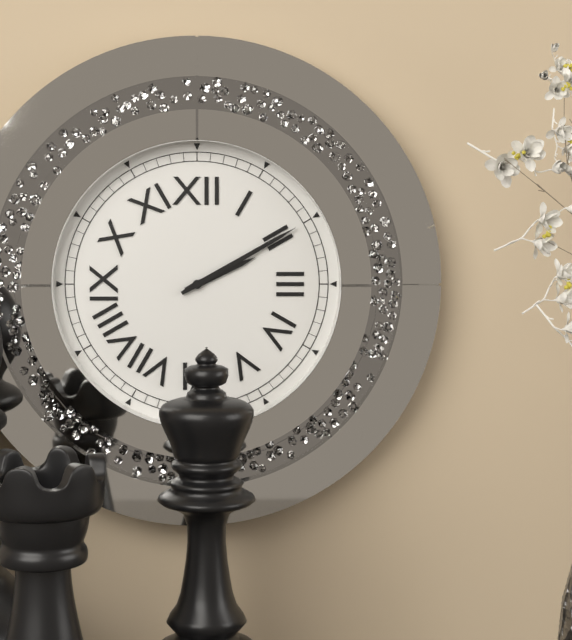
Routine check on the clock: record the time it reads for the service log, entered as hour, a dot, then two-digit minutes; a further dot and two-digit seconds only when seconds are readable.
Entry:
2.10
